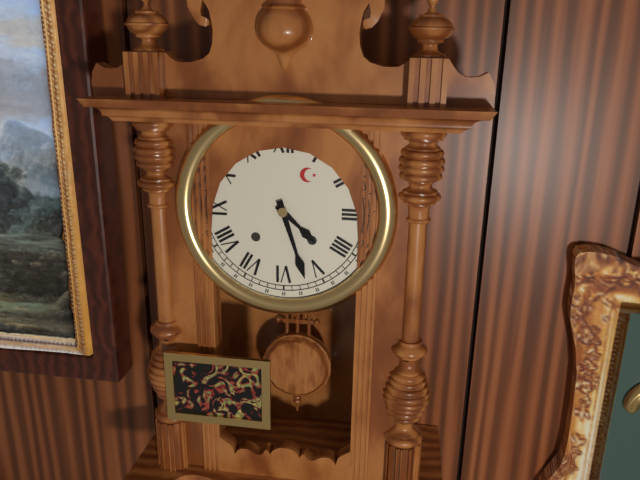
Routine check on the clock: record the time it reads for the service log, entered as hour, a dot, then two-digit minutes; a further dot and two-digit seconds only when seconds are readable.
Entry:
4.27
